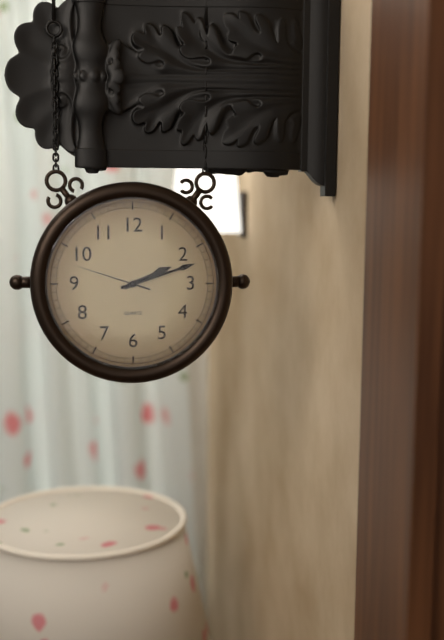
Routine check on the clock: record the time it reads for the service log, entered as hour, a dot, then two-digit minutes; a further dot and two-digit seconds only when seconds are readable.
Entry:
2.12.48
